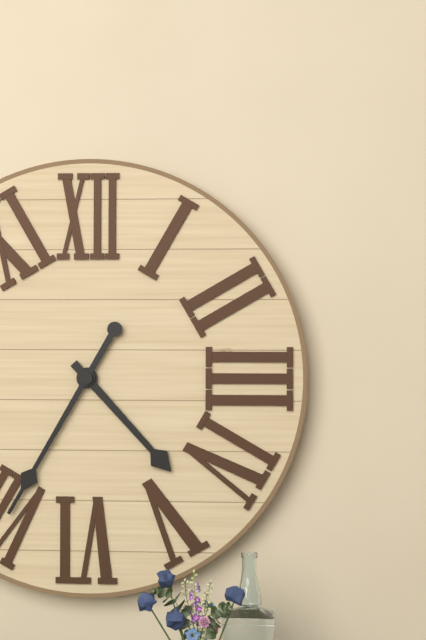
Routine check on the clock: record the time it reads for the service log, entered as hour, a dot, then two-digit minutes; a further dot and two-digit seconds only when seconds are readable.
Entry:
4.35
